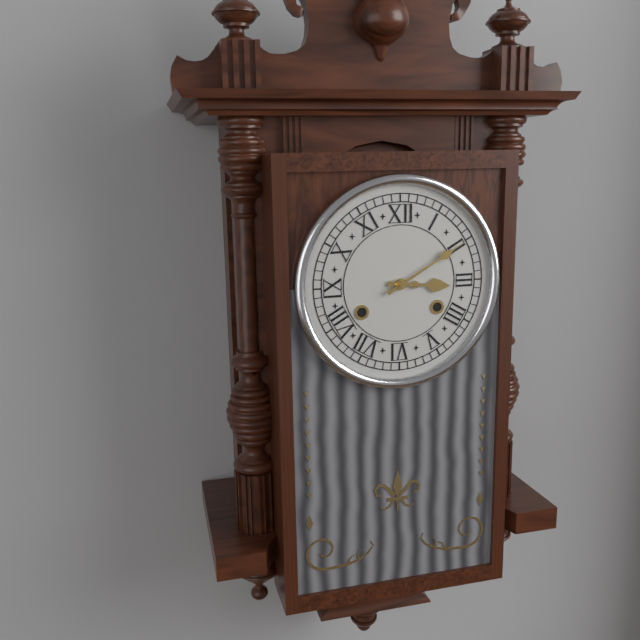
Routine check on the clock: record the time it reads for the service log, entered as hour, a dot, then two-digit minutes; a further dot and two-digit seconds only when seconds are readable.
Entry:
3.10
